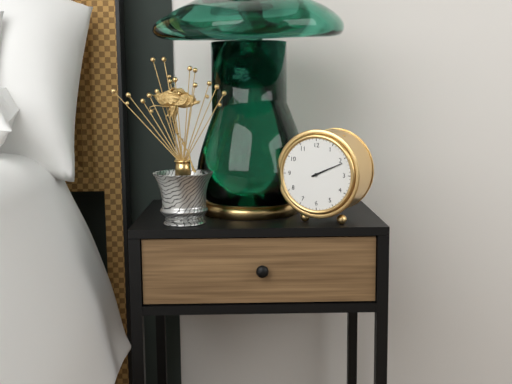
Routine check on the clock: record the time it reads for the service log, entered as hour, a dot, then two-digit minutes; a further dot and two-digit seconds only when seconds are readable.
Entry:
2.11
